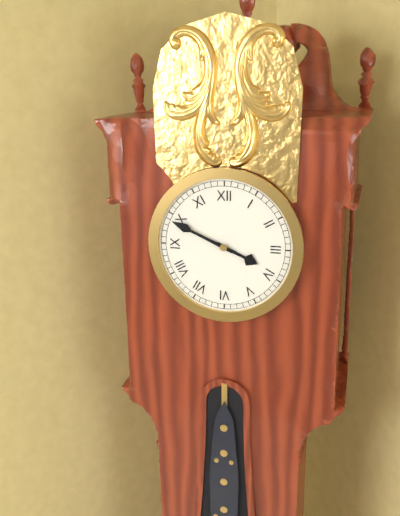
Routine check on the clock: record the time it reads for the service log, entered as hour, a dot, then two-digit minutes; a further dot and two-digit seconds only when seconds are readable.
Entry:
3.49
